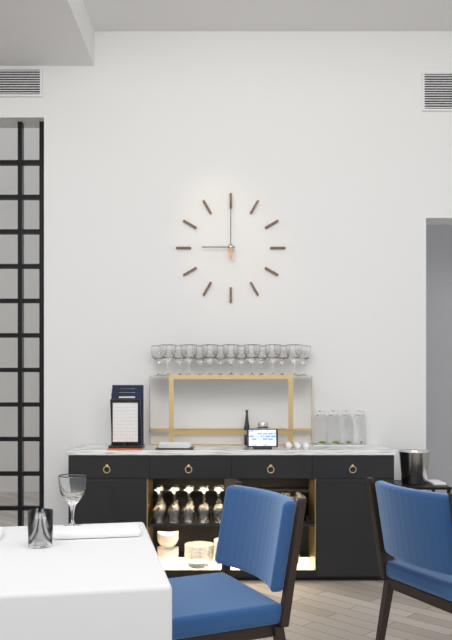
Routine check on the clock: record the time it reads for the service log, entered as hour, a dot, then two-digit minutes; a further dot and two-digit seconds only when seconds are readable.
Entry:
9.00
